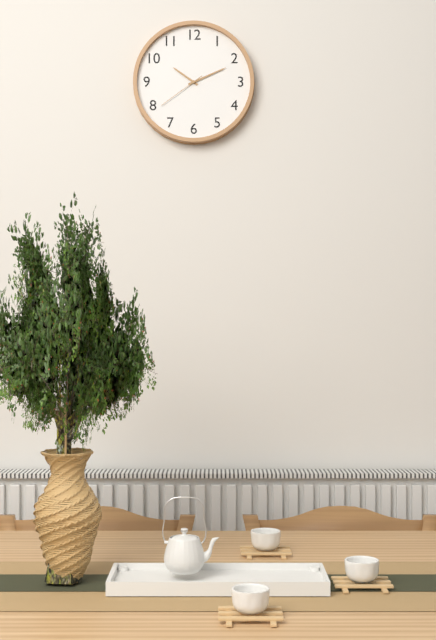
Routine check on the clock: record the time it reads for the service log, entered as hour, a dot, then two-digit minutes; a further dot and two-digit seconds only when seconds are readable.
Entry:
10.11.39
